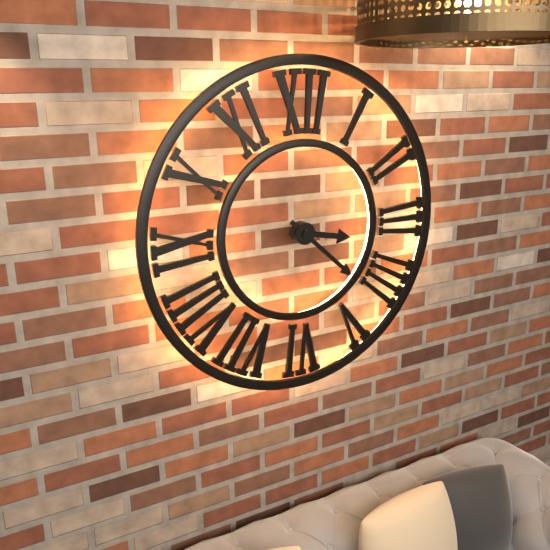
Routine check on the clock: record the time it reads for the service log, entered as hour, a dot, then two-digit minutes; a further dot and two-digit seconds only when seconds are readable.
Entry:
3.22
